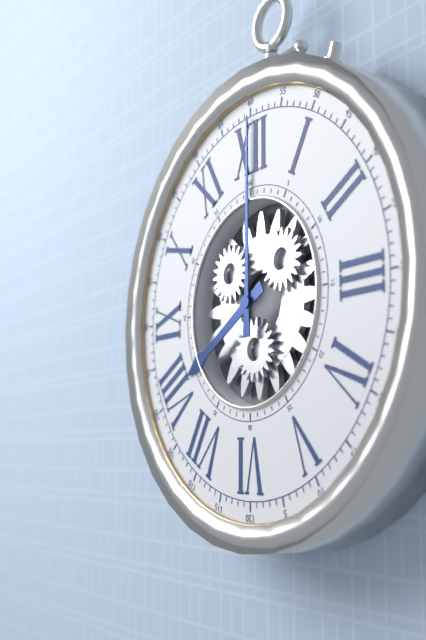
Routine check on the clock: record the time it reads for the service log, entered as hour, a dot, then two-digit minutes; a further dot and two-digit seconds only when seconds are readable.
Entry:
8.00
